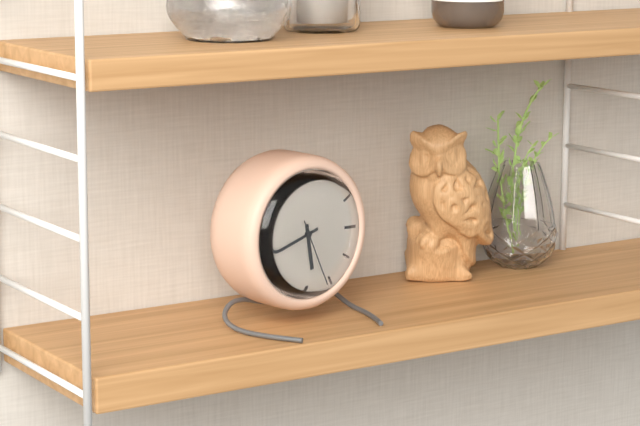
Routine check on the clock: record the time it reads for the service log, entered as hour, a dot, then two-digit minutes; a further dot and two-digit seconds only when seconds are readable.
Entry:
5.42.26
